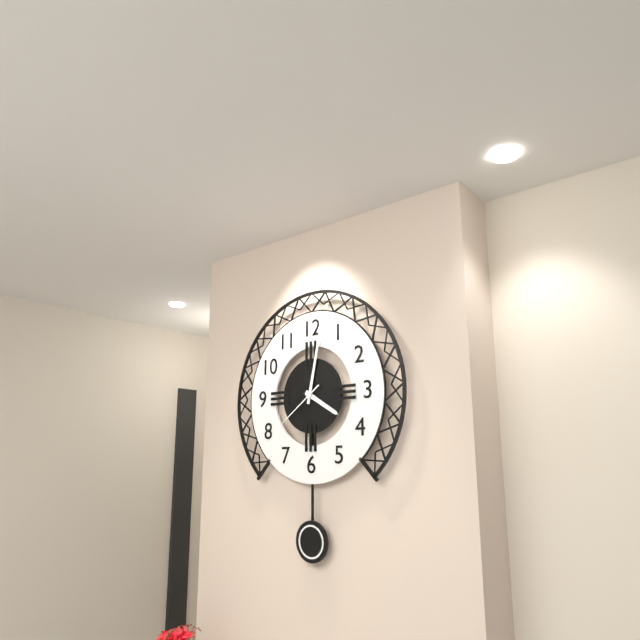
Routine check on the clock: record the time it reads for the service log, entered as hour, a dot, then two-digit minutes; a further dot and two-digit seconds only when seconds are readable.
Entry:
4.02.39
